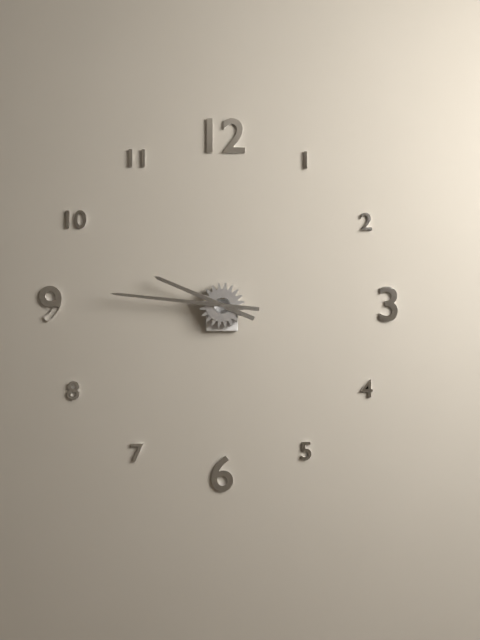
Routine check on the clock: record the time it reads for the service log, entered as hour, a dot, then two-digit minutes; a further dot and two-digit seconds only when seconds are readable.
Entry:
9.46
